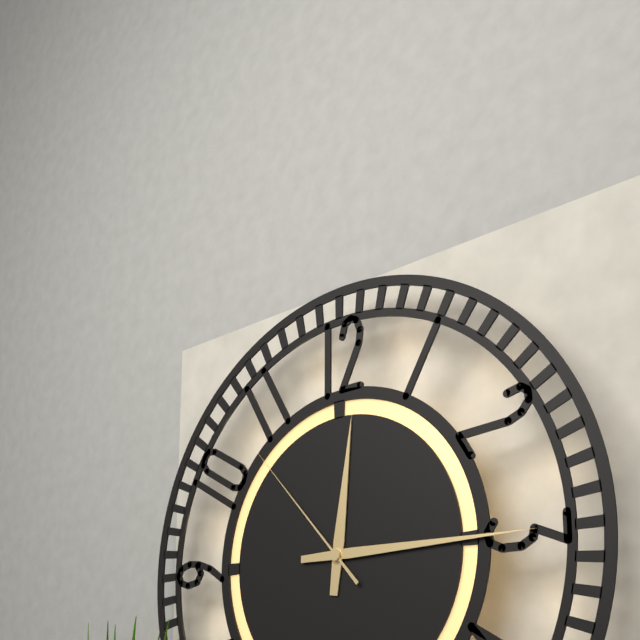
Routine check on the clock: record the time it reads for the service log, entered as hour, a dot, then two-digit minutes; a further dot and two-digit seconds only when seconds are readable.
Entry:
12.15.53
